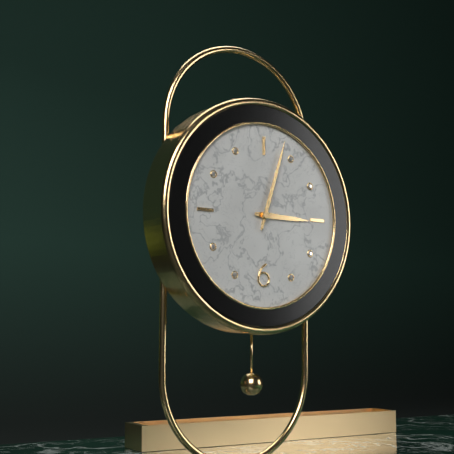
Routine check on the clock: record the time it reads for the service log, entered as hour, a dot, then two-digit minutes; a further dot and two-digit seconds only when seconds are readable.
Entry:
3.03
